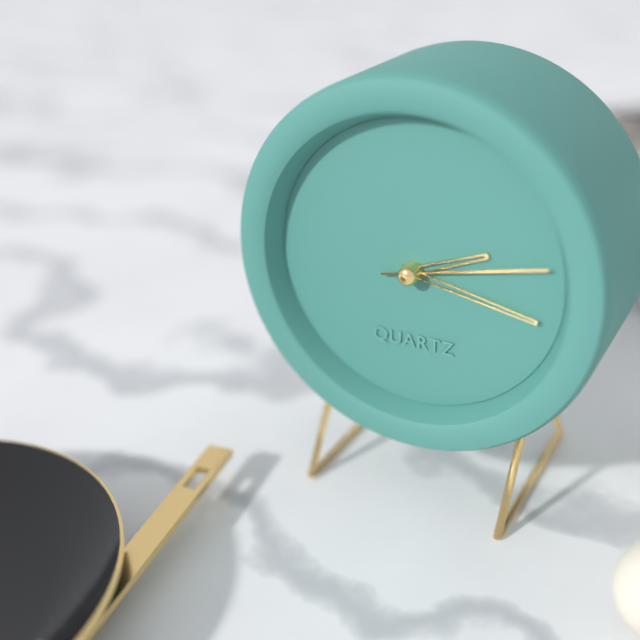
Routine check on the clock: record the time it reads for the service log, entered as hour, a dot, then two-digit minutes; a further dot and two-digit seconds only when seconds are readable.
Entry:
2.17.13
